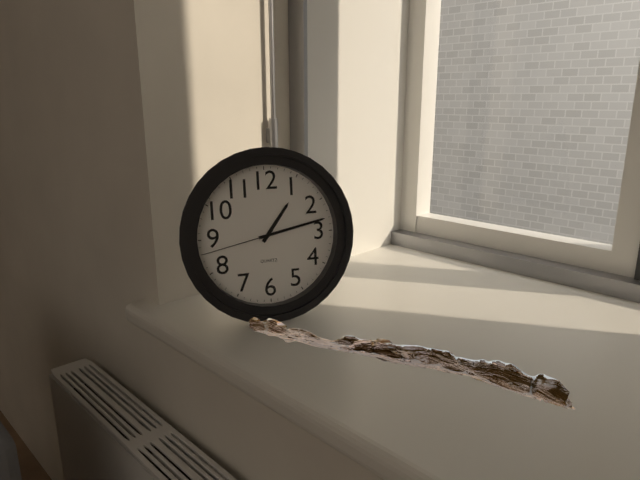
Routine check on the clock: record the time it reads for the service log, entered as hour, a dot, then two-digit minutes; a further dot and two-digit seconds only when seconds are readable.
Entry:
1.13.43
